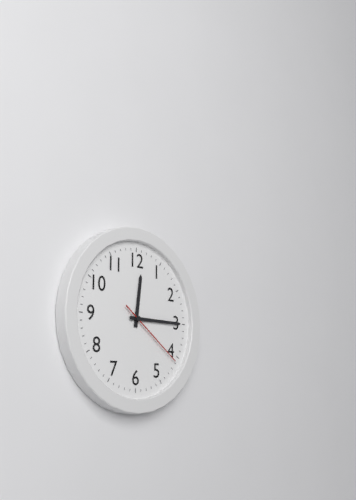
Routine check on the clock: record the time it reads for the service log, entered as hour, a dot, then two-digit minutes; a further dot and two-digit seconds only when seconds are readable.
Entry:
12.15.21
